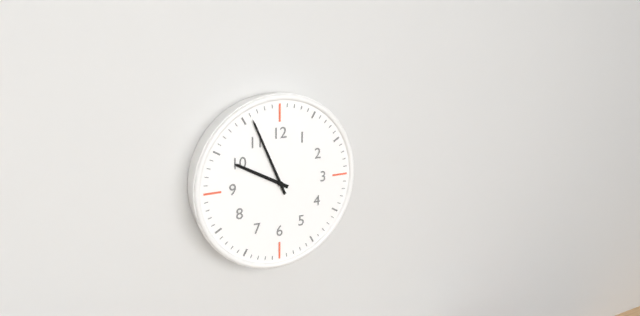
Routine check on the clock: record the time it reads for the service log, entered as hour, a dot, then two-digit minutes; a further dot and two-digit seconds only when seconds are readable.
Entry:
9.56
